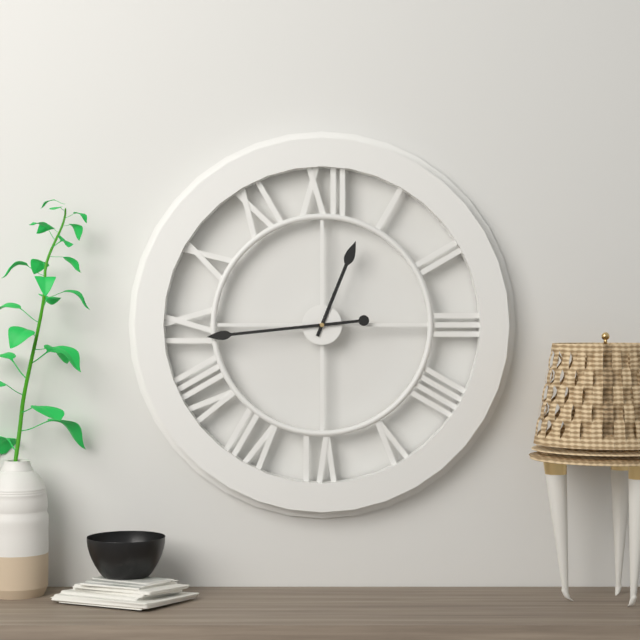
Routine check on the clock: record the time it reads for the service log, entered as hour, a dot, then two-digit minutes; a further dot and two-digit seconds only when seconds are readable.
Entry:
12.44
